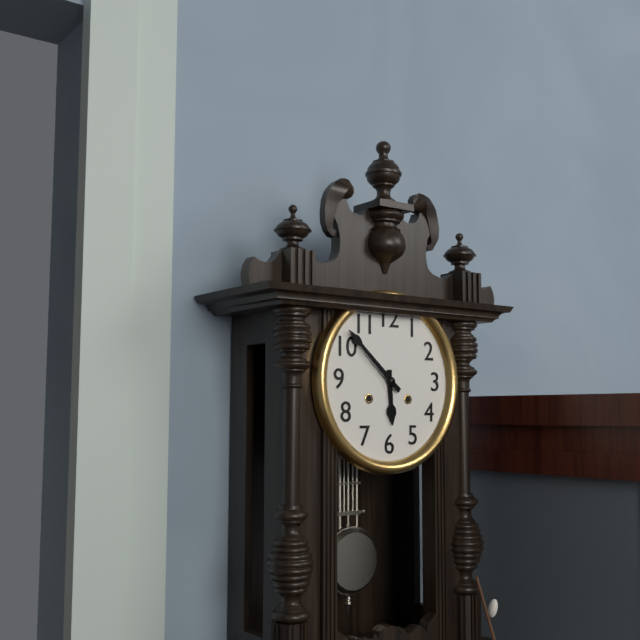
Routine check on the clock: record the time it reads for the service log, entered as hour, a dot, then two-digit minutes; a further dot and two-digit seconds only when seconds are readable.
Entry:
5.52
